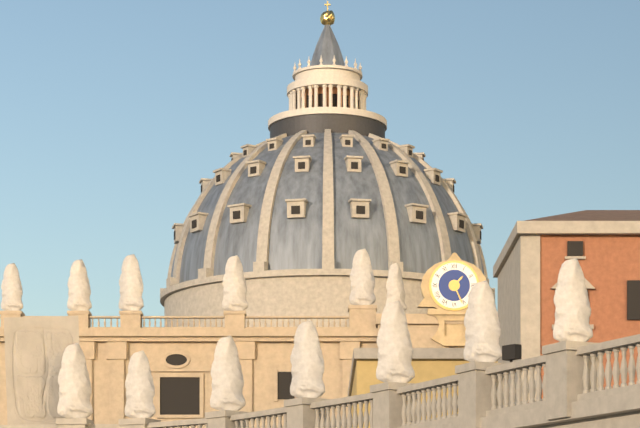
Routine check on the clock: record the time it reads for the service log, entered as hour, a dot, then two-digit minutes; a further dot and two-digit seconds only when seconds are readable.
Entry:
1.26
